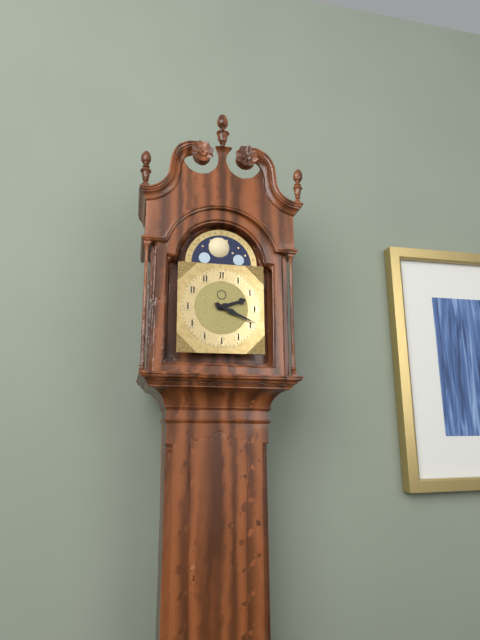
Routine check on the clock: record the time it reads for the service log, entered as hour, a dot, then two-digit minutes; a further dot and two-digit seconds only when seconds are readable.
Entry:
2.19
